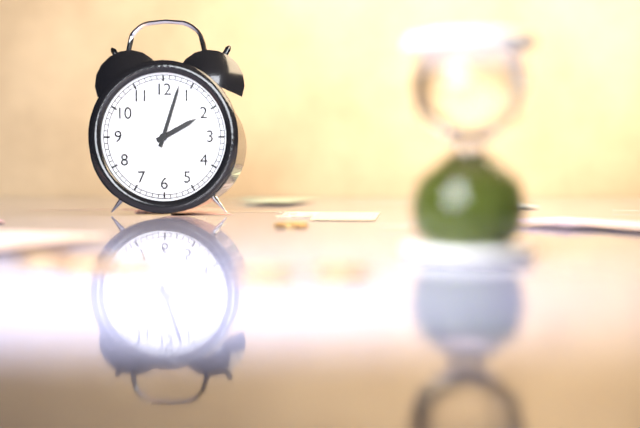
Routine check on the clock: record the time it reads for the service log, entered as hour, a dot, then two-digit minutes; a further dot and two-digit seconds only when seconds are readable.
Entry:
2.03
